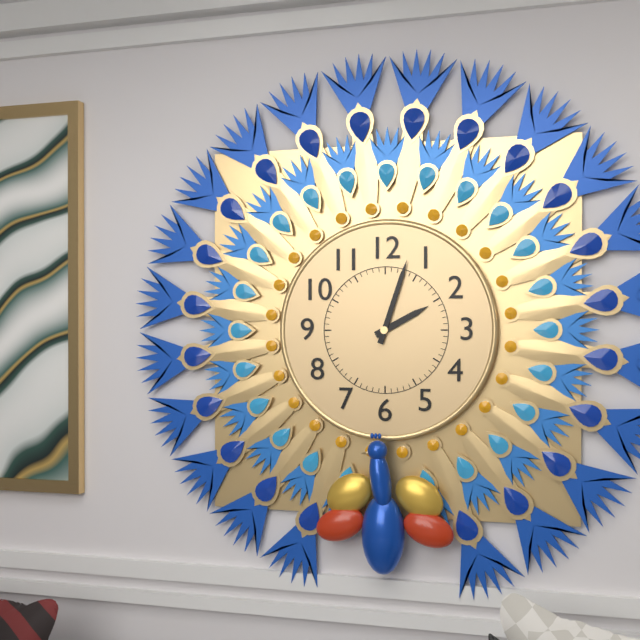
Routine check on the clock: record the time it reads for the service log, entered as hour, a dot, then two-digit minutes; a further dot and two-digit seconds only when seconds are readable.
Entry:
2.03
